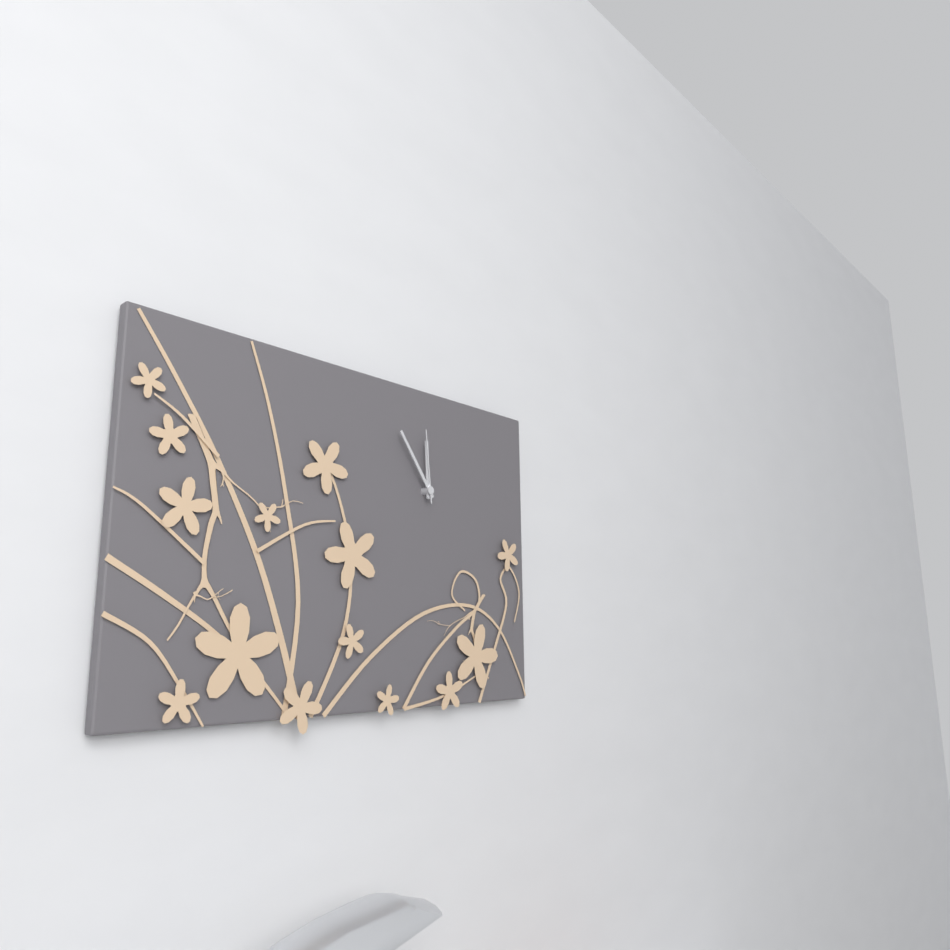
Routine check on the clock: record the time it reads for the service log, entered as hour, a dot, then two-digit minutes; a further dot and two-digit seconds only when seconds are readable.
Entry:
11.54.59
